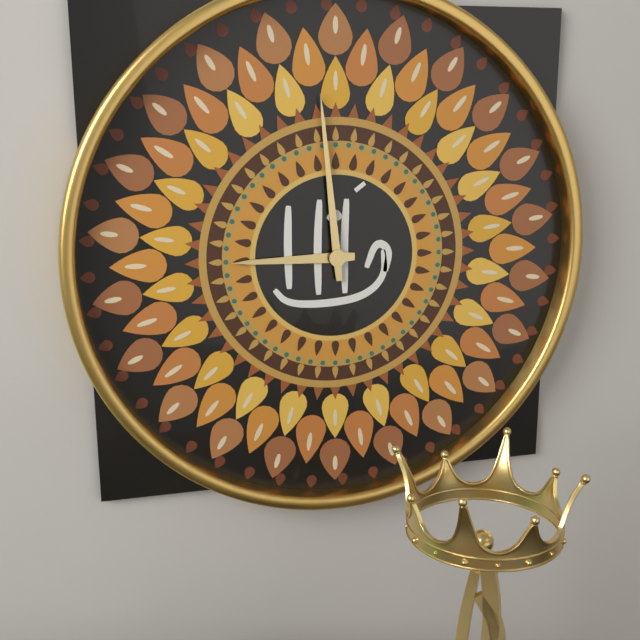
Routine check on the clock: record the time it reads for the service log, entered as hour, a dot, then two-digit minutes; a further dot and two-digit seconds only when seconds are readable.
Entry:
8.59
